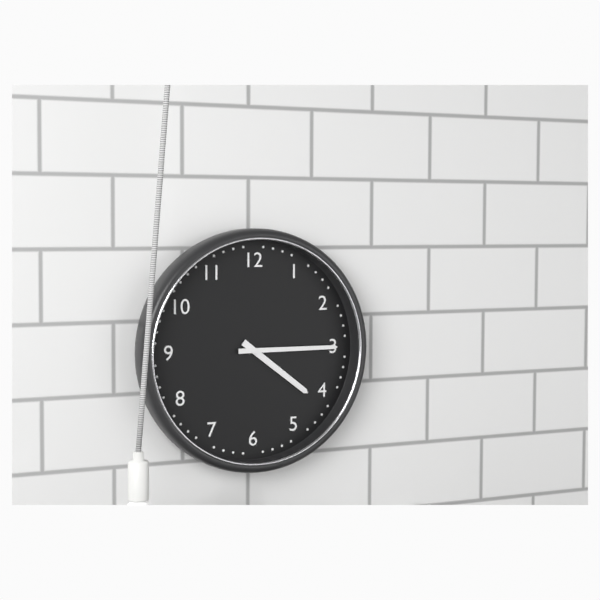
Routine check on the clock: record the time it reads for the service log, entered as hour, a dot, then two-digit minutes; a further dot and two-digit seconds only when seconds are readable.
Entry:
4.15
